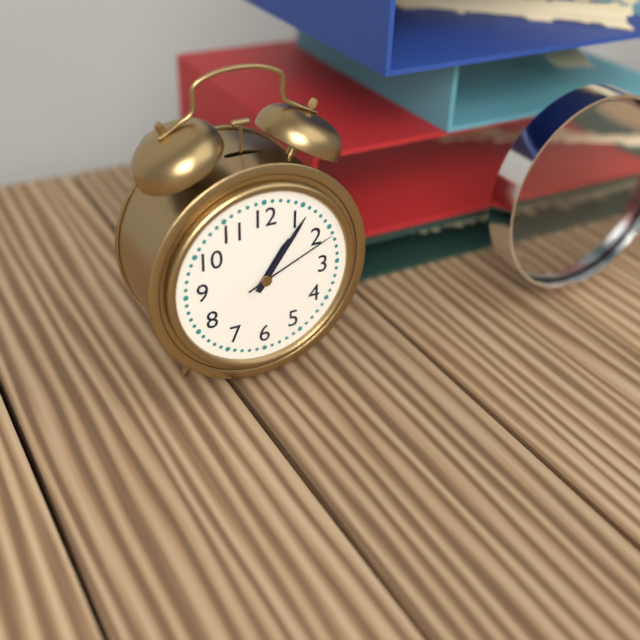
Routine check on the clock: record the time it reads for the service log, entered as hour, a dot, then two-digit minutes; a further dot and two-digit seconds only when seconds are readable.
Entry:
1.06.11
